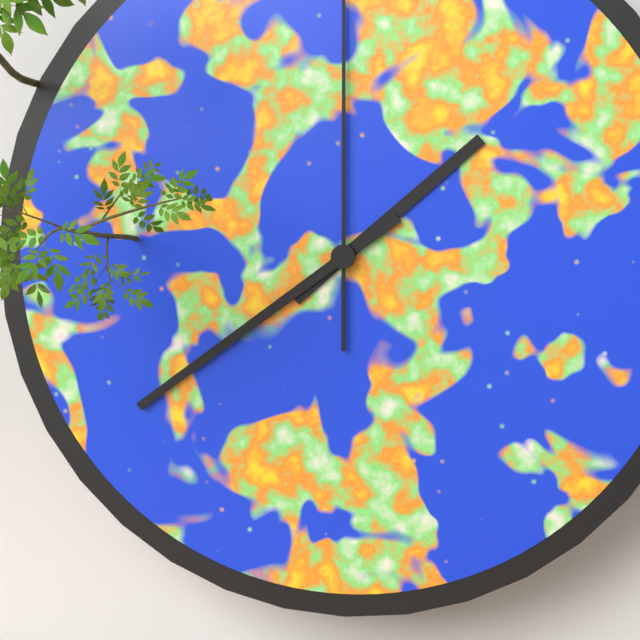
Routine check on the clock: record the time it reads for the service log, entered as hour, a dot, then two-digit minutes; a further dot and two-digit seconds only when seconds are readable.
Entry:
1.39
